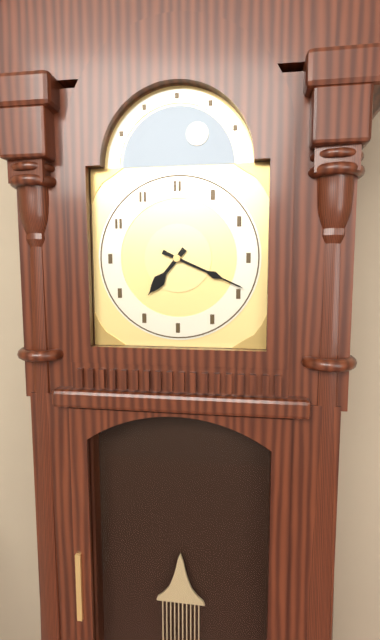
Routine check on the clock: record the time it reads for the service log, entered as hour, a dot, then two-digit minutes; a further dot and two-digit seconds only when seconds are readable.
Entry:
7.19
